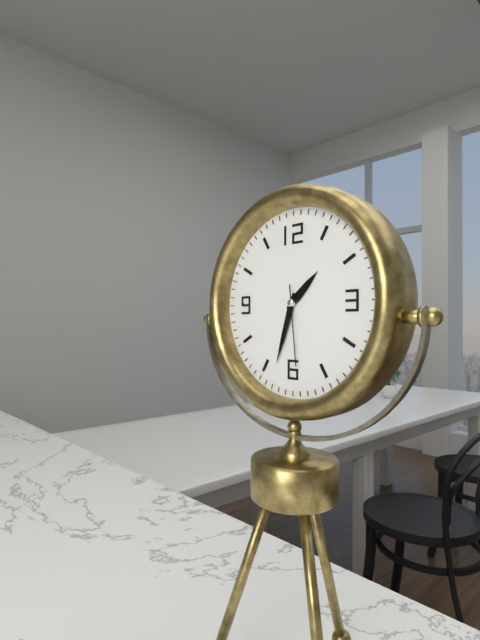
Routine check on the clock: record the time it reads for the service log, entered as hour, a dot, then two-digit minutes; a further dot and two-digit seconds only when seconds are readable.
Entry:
1.33.29
